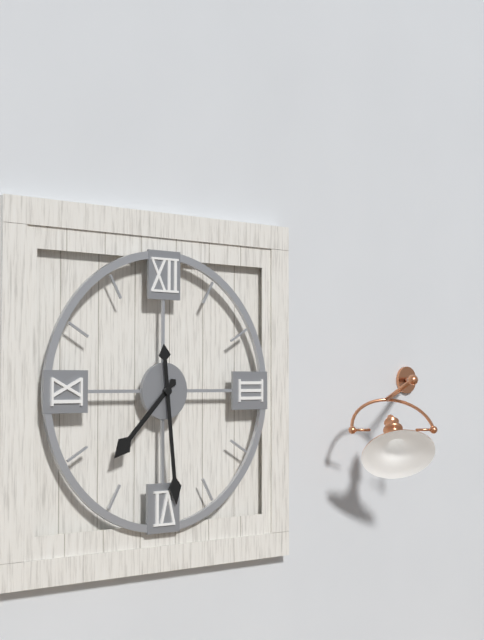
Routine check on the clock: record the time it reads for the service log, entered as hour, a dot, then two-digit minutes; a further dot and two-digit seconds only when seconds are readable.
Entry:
7.29
